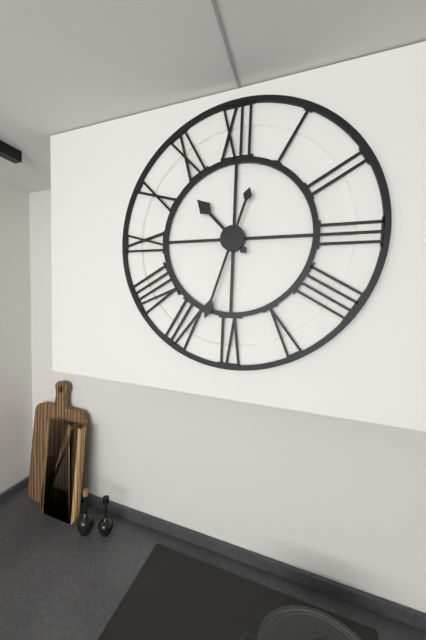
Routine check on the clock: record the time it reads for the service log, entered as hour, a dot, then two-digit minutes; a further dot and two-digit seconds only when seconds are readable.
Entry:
10.33
